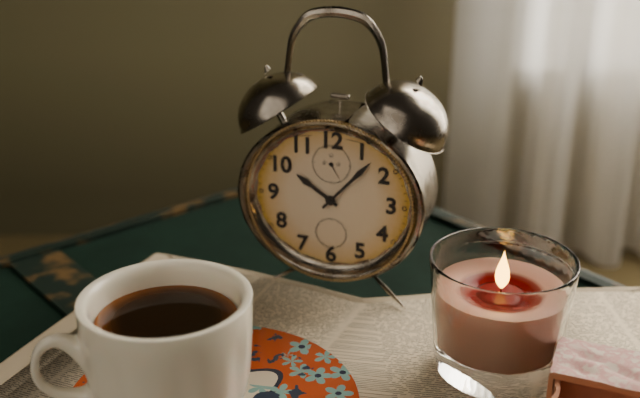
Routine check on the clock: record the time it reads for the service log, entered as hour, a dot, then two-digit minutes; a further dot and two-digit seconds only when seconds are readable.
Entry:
10.07
